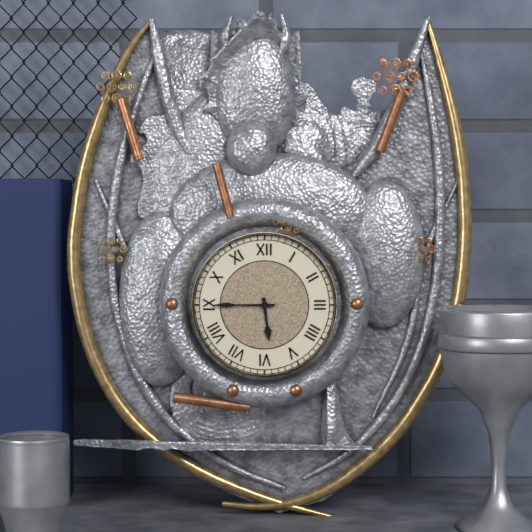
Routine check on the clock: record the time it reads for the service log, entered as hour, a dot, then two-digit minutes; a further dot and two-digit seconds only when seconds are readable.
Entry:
5.45
